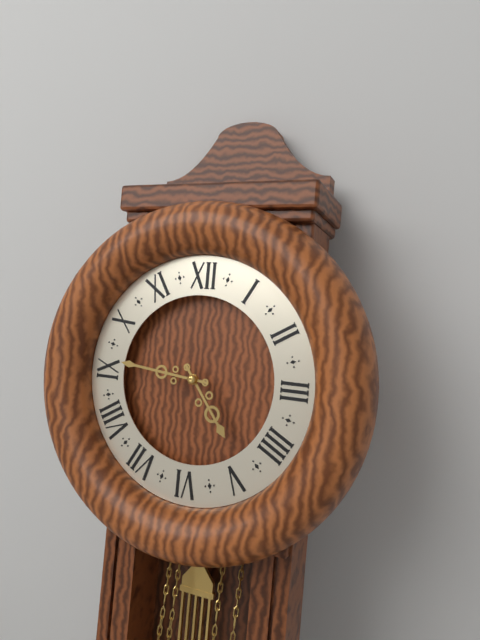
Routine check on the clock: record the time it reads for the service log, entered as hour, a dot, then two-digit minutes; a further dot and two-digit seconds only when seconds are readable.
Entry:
4.46
